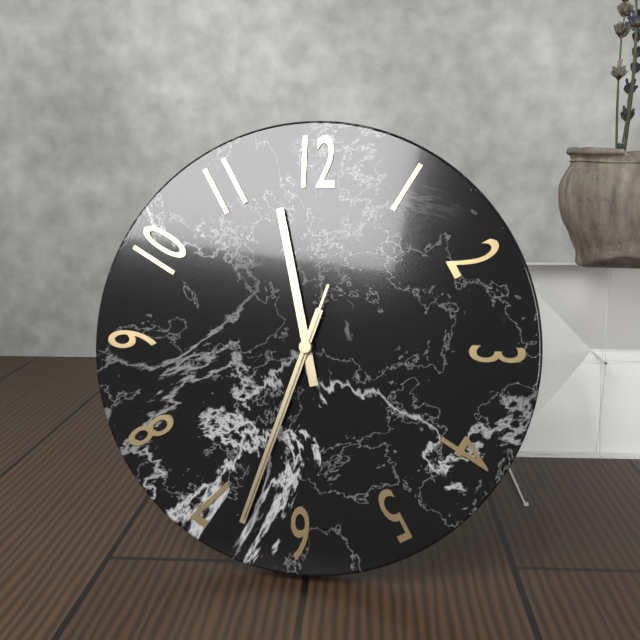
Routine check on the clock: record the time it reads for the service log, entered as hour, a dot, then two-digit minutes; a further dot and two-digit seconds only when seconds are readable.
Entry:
11.33.33
